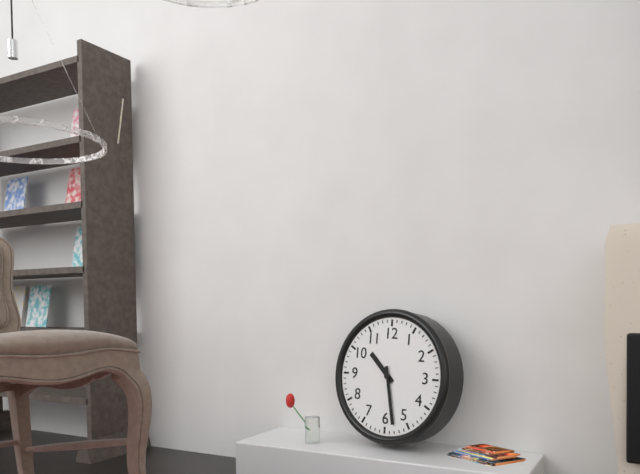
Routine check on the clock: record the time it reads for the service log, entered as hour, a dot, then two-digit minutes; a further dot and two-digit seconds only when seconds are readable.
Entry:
10.28
